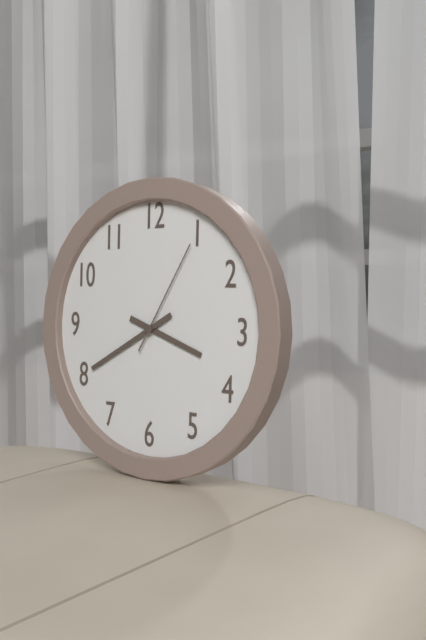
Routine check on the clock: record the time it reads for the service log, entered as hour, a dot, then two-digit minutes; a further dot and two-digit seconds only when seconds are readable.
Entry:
3.40.05
